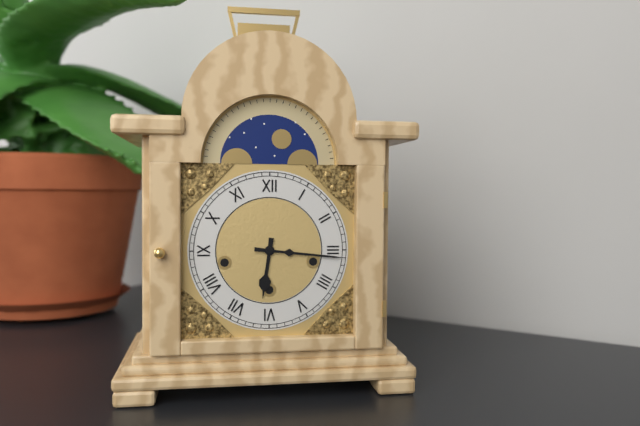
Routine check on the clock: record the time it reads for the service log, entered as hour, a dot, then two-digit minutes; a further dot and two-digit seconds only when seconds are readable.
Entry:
6.16
